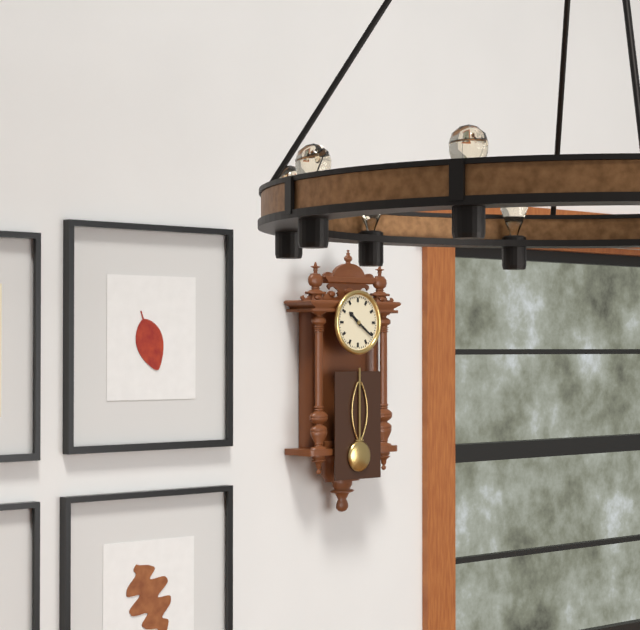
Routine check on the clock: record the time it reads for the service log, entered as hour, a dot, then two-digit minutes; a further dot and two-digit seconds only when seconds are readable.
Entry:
10.21
